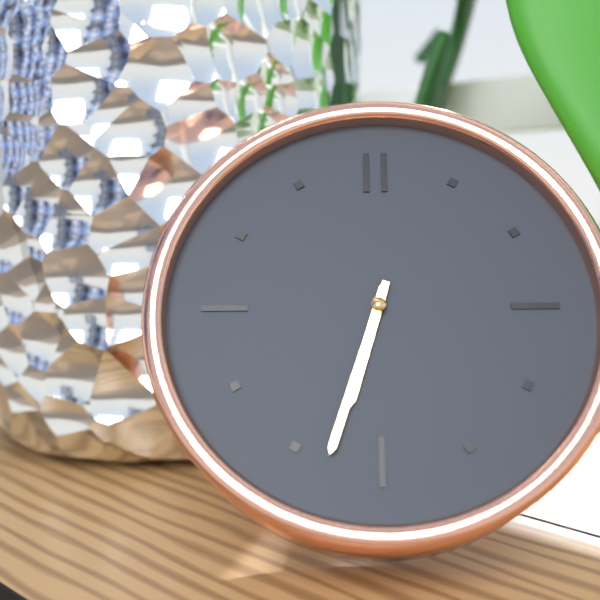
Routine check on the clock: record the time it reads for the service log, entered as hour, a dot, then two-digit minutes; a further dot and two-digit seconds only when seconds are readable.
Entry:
6.33
